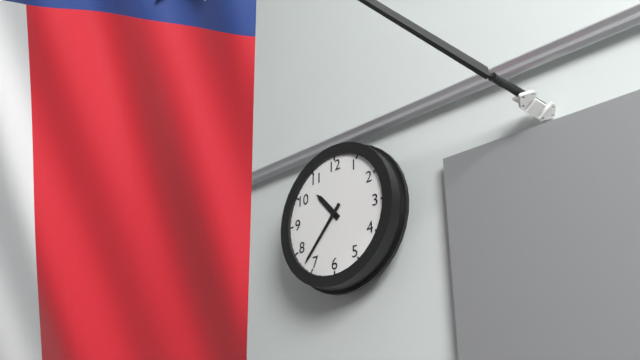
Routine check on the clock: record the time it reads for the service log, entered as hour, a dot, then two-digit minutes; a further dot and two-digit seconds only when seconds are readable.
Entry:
10.37
